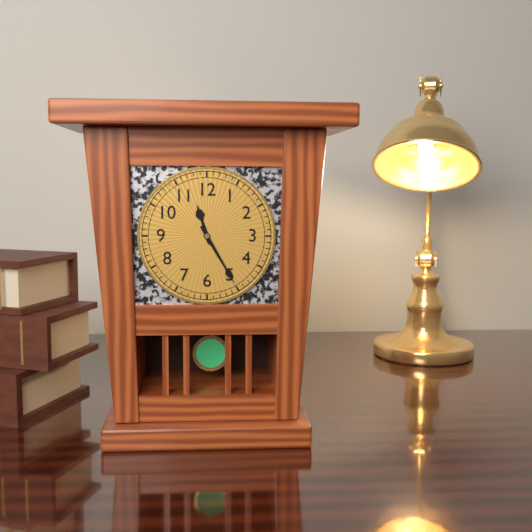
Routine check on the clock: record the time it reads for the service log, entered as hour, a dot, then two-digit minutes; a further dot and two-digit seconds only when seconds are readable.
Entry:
11.25
